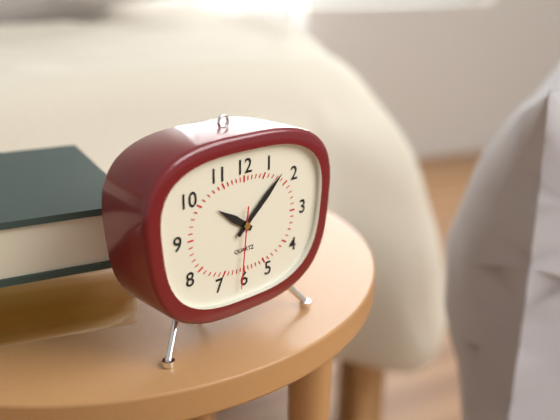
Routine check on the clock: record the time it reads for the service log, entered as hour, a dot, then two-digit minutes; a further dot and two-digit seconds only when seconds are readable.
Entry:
10.08.31
